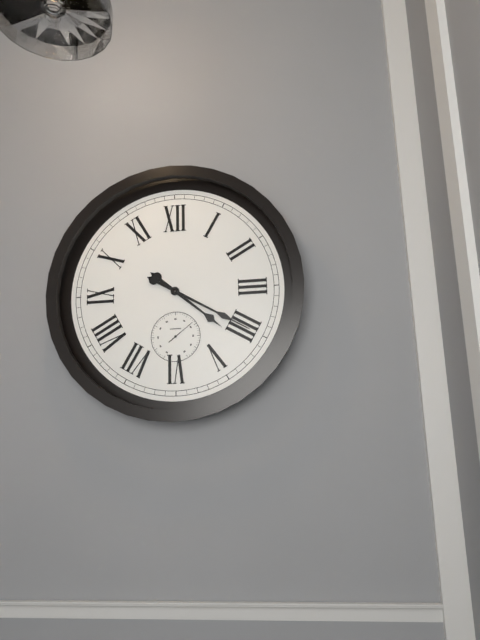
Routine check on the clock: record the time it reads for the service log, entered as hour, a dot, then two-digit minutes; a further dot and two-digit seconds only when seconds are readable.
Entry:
4.20
